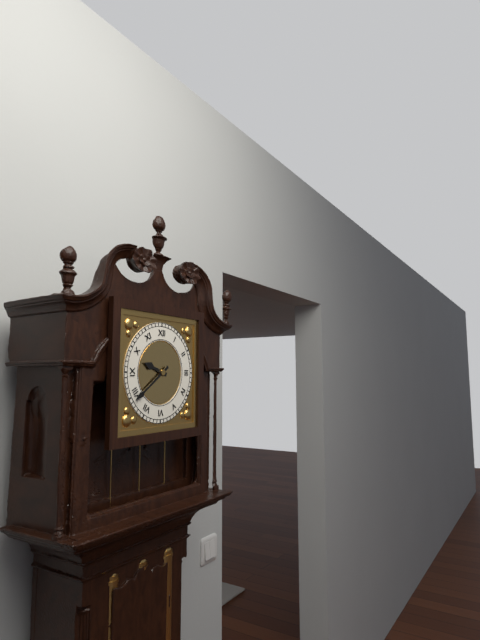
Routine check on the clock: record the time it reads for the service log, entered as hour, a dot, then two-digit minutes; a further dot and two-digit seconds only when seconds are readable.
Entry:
9.39
